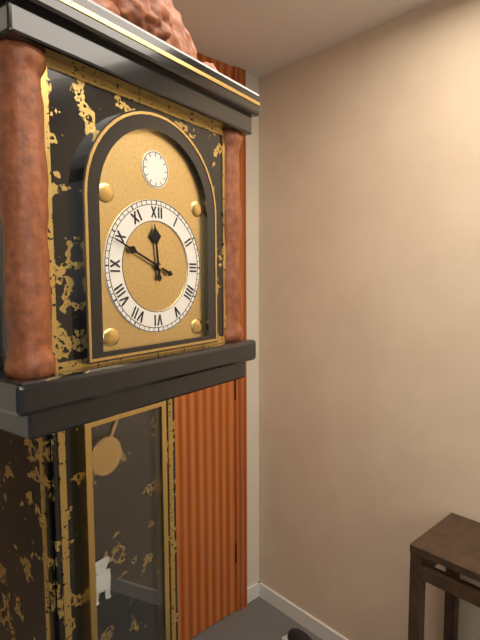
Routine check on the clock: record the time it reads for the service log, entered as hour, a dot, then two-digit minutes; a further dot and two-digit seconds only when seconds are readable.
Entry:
11.49
